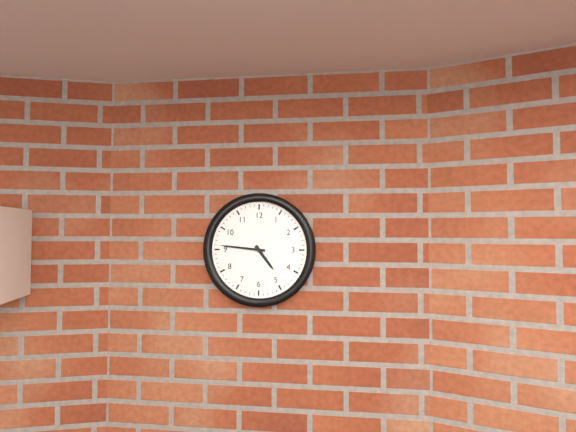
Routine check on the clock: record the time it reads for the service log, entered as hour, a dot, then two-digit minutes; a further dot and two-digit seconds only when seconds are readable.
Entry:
4.46
